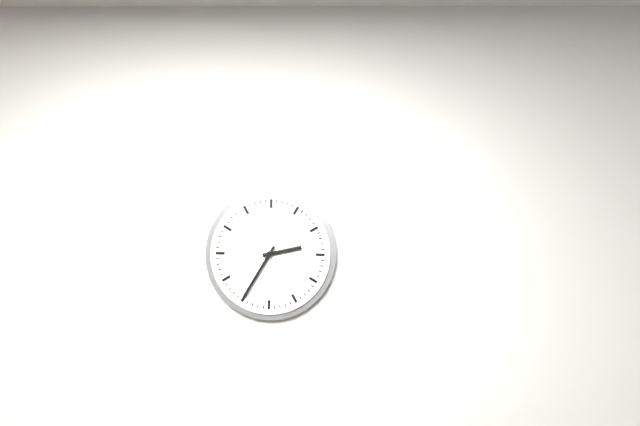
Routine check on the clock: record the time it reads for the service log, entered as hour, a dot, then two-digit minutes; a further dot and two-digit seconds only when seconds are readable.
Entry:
2.35
